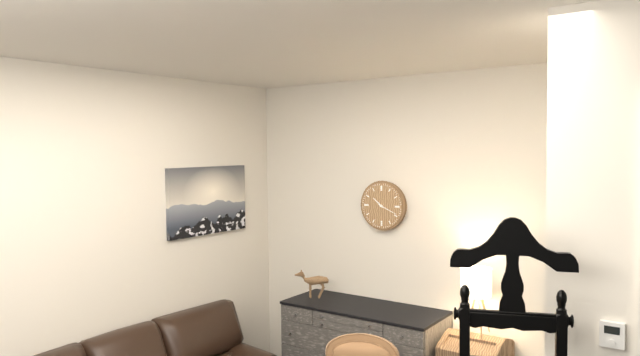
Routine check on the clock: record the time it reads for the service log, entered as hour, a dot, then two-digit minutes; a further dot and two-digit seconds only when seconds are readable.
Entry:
10.19
